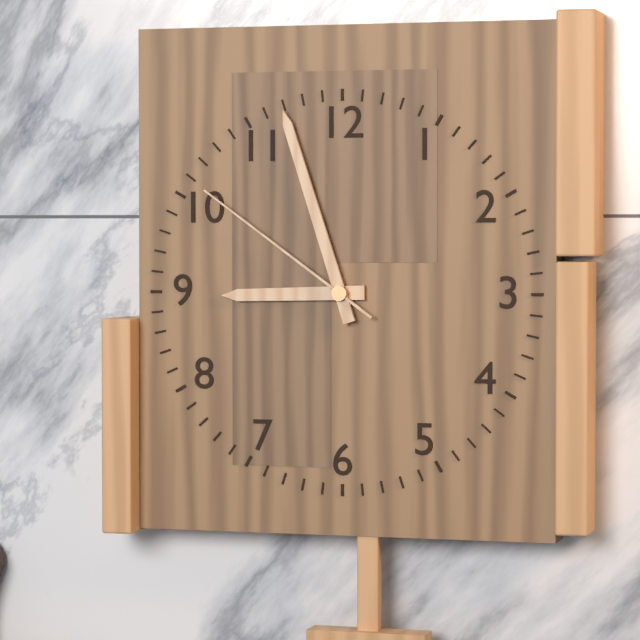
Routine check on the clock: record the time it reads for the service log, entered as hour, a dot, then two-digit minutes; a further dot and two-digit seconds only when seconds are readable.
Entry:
8.57.51
